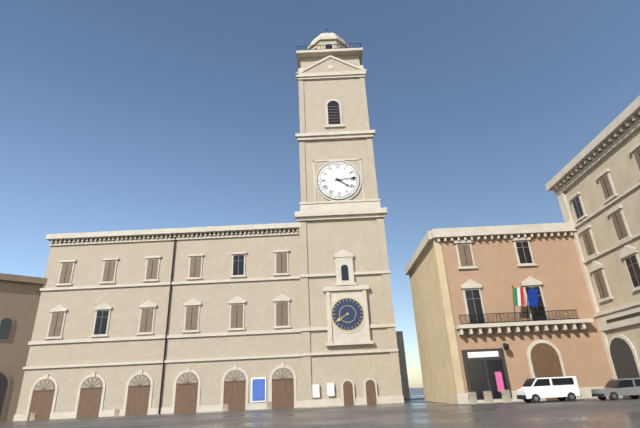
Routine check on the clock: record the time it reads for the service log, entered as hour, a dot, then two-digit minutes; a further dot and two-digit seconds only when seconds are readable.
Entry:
4.14
